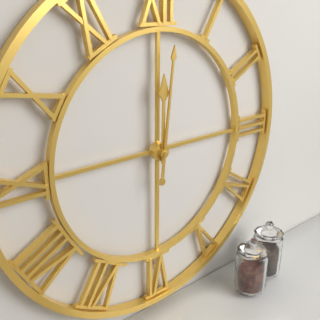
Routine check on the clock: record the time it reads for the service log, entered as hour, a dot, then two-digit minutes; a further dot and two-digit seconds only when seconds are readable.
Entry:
12.01
